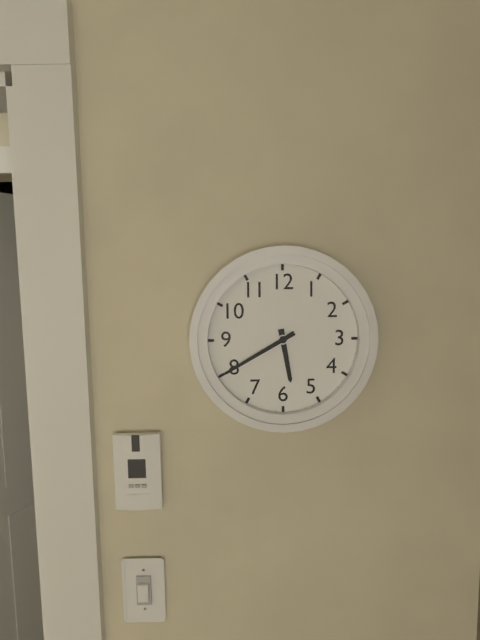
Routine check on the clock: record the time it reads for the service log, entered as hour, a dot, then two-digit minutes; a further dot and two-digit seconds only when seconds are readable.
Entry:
5.40
